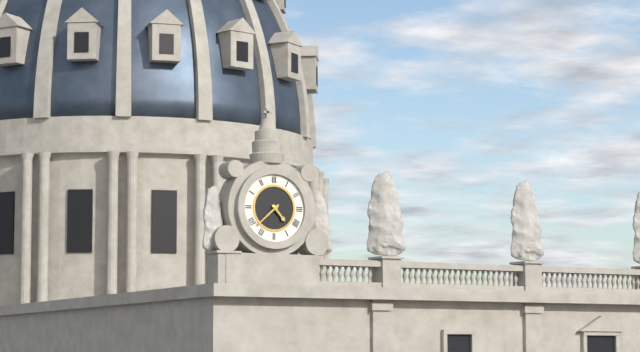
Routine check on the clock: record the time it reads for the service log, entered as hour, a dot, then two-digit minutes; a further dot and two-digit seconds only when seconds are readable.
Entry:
4.38
